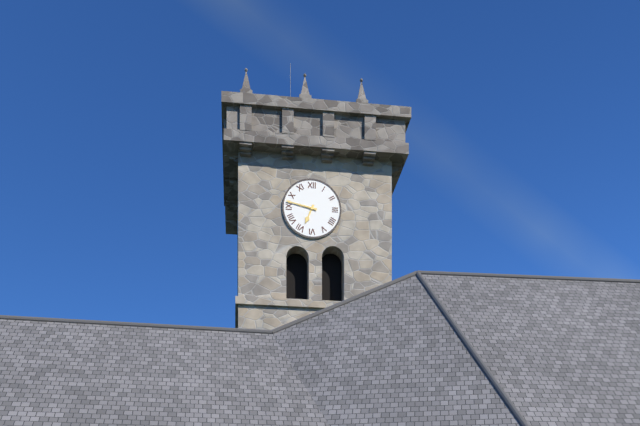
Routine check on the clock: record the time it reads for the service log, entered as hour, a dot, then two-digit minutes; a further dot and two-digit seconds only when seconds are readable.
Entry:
6.47
